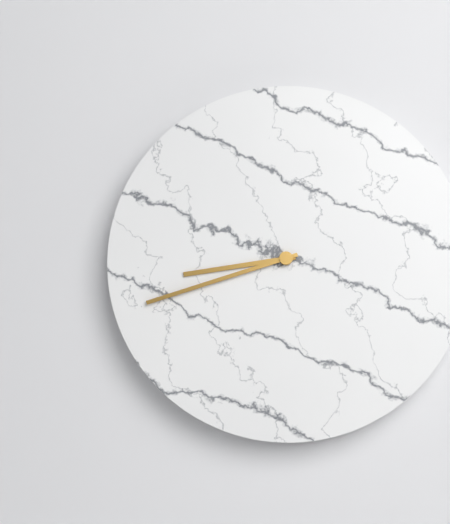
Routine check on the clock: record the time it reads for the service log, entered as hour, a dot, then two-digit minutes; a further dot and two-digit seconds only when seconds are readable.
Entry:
8.42
